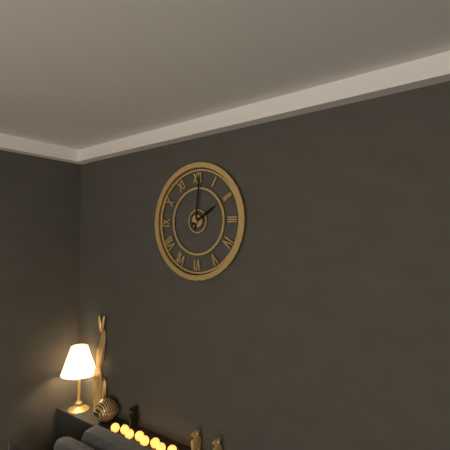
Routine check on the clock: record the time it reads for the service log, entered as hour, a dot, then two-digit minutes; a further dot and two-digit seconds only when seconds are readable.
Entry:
2.01
